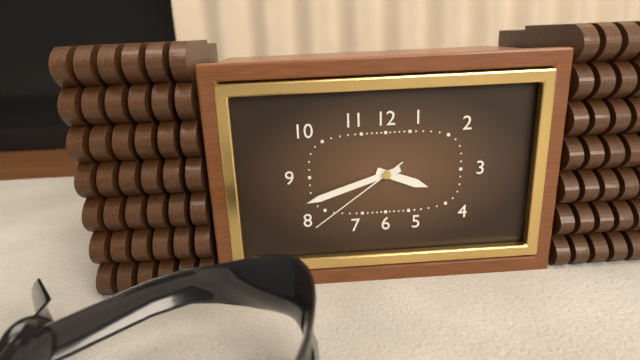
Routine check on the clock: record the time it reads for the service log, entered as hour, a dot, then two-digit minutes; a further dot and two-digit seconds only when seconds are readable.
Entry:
3.42.39
